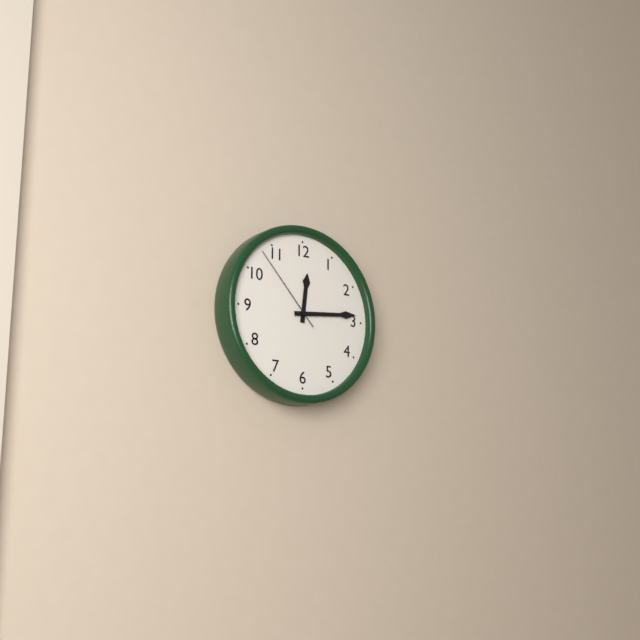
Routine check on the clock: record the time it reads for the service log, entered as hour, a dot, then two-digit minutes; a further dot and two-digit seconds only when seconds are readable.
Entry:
12.14.53
